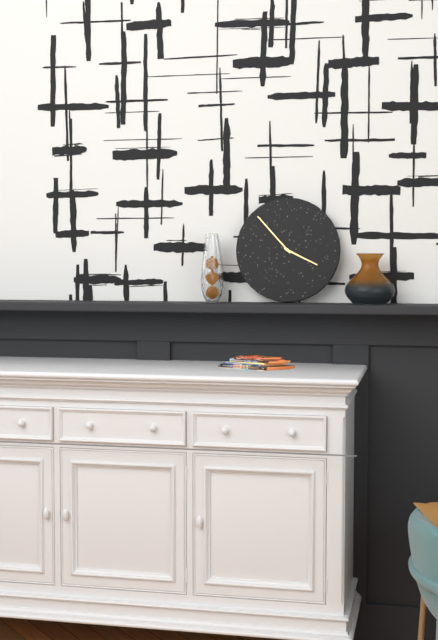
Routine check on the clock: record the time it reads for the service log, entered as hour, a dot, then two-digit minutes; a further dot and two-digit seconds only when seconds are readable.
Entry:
3.53
